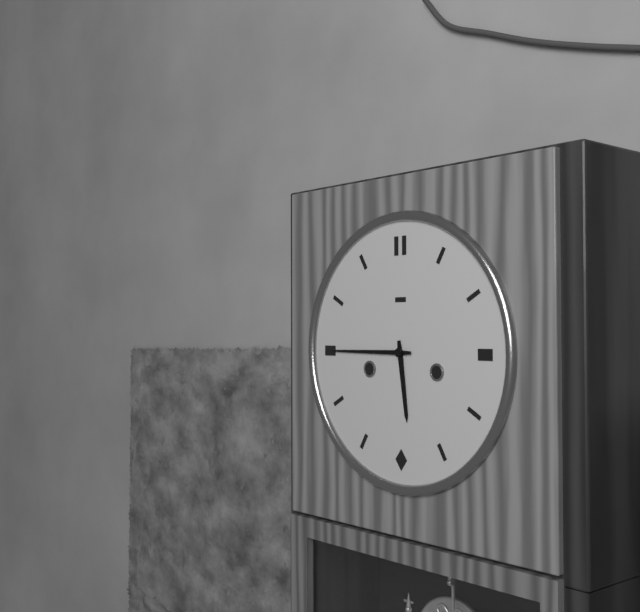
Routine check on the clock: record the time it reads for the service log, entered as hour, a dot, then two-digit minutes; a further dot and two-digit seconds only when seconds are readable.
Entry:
5.45
